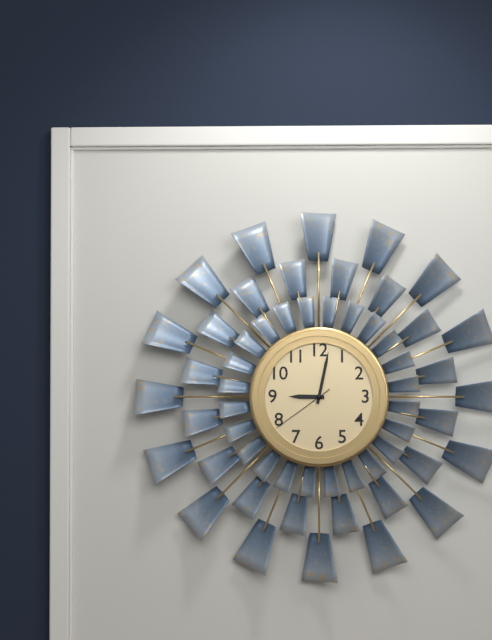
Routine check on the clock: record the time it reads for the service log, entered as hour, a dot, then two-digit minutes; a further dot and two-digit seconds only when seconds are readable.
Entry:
9.02.39
